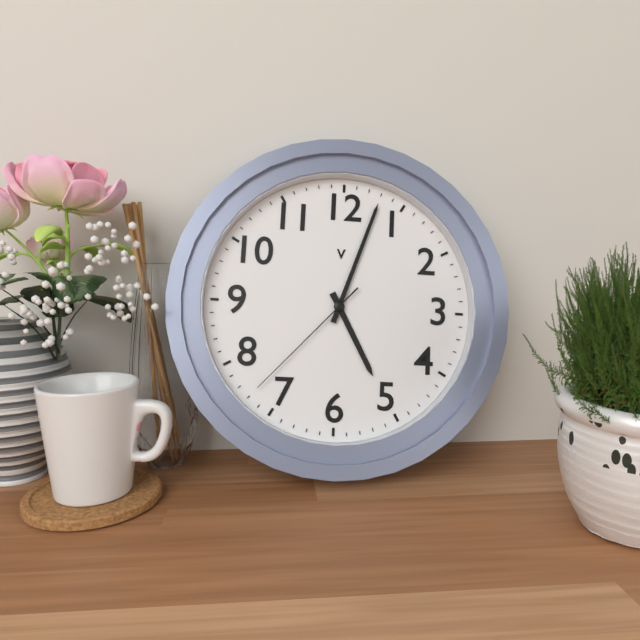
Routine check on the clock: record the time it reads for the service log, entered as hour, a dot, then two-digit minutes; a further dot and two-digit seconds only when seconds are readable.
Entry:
5.03.37
